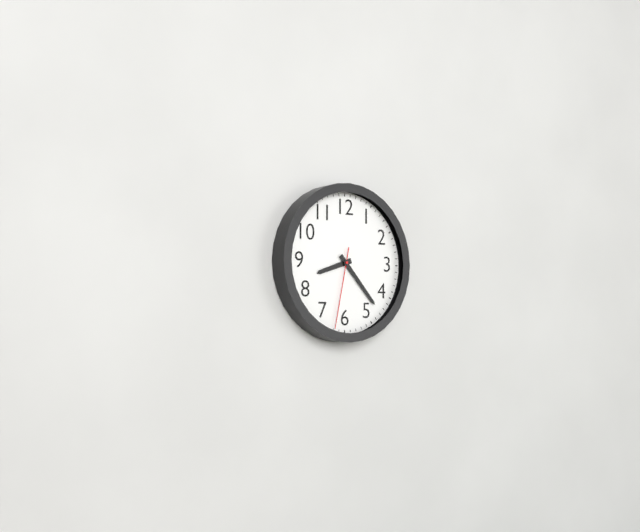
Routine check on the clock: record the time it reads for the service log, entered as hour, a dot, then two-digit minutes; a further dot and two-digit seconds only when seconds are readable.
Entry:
8.23.32
